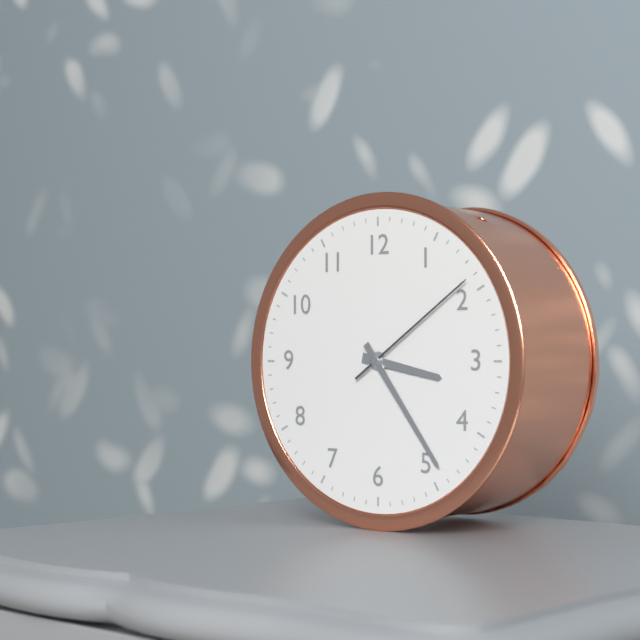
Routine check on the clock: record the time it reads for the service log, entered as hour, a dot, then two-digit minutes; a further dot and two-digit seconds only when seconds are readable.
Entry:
3.24.09
